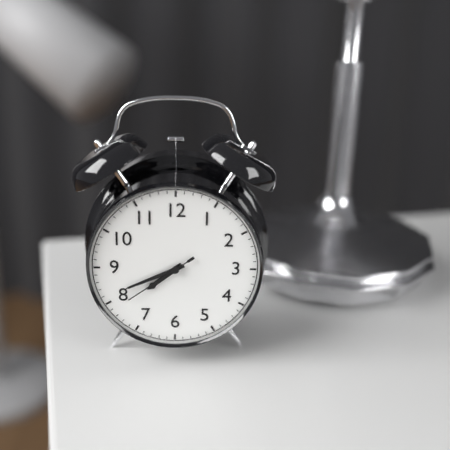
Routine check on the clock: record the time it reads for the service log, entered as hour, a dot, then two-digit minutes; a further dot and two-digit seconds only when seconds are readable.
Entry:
7.41.39
